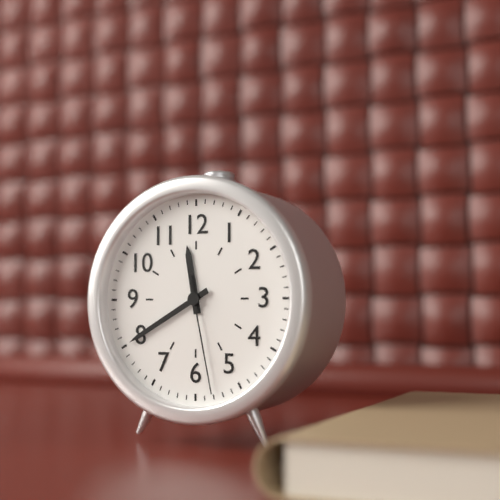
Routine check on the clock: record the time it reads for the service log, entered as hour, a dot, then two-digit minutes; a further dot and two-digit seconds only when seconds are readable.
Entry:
11.40.28
